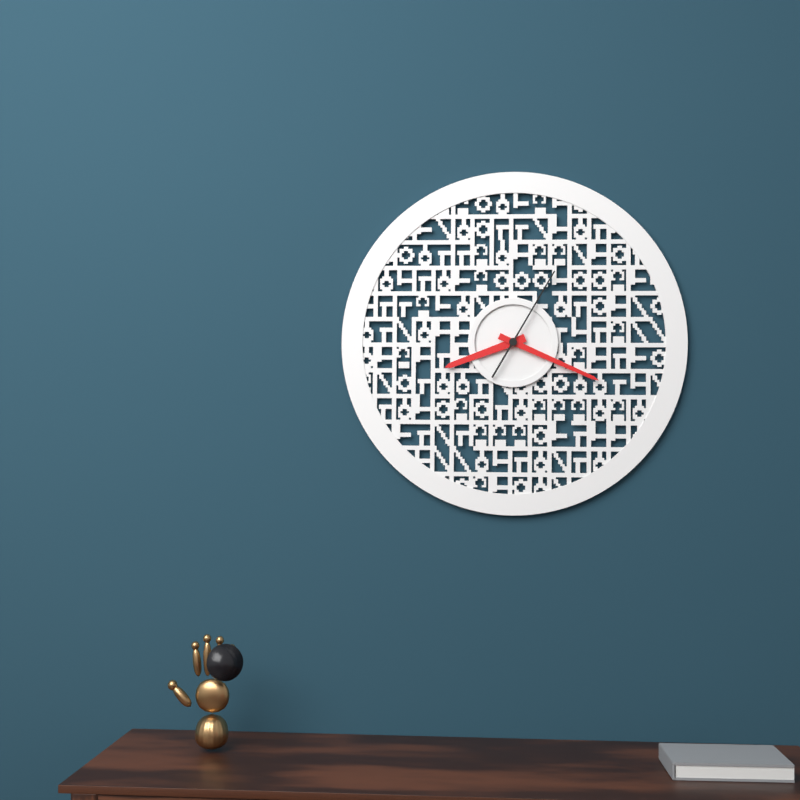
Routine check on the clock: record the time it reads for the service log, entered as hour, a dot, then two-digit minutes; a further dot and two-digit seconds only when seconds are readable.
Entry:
8.19.05
